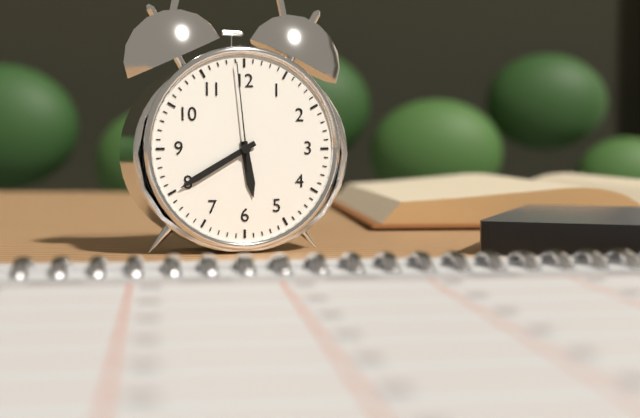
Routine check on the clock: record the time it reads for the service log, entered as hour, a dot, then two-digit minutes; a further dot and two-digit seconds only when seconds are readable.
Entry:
5.40.59
